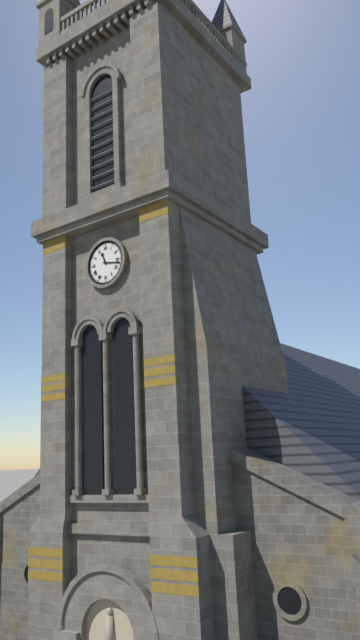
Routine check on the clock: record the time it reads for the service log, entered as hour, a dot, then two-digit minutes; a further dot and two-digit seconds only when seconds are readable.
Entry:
11.17
